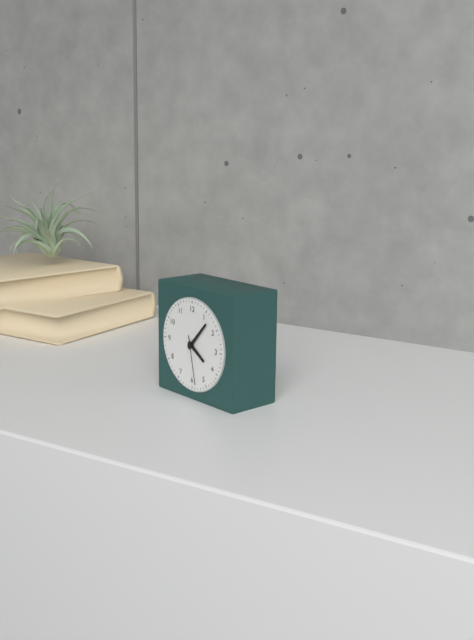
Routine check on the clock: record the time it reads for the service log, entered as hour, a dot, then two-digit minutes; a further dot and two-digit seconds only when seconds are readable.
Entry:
4.07.28
